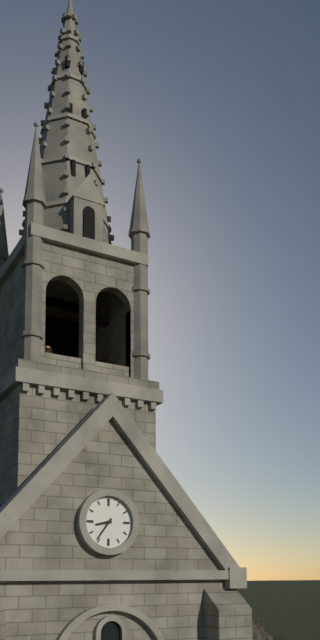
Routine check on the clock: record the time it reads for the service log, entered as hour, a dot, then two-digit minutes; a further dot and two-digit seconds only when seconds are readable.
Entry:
8.36
